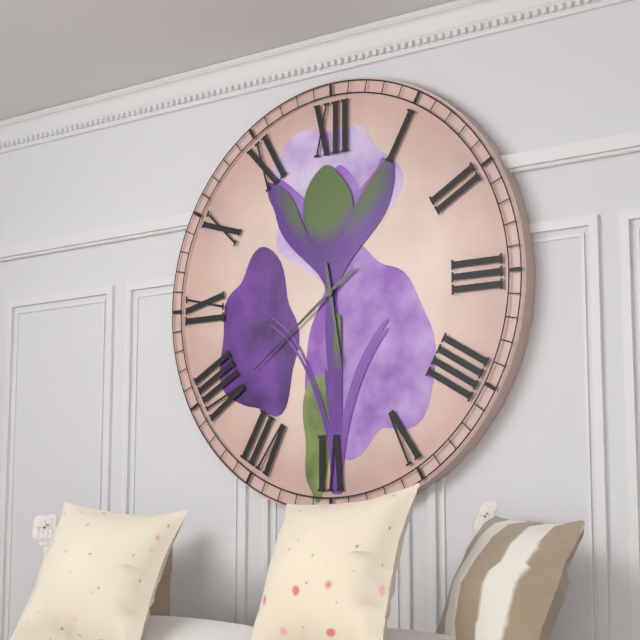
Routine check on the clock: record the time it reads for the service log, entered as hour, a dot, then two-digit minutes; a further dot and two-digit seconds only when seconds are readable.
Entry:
5.39
